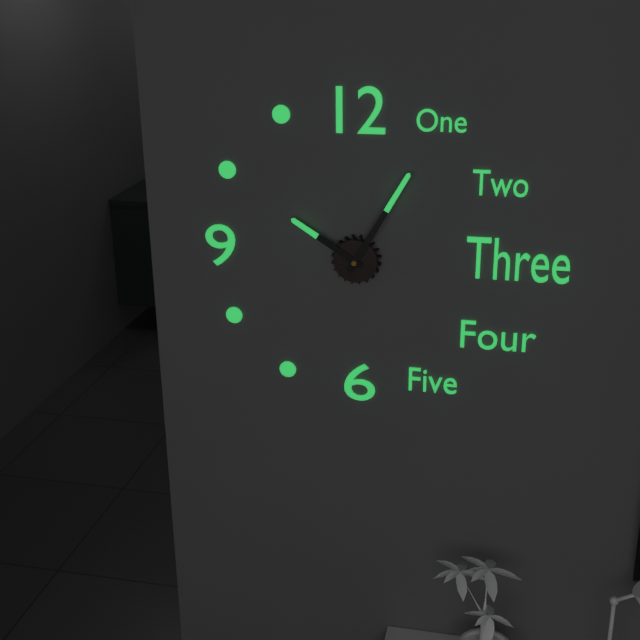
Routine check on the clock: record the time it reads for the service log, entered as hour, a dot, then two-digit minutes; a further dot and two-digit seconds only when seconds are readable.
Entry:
10.05
